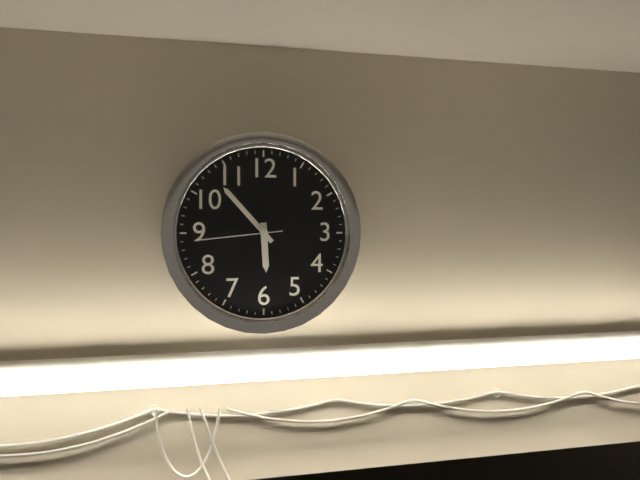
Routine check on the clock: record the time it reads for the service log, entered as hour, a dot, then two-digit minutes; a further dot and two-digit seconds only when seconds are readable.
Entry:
5.53.44
